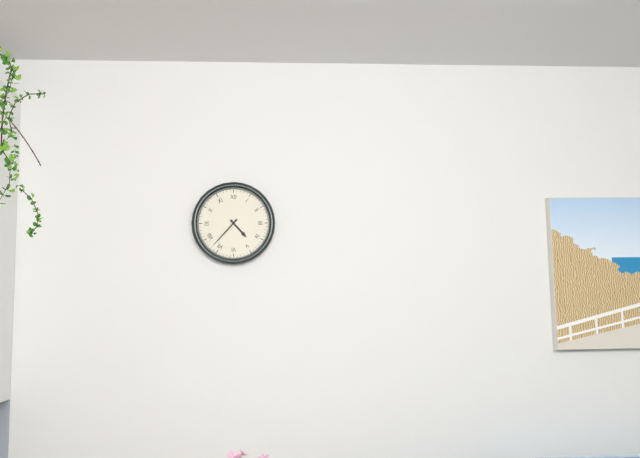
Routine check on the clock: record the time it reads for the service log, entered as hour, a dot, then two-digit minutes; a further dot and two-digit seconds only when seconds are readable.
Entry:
4.37
